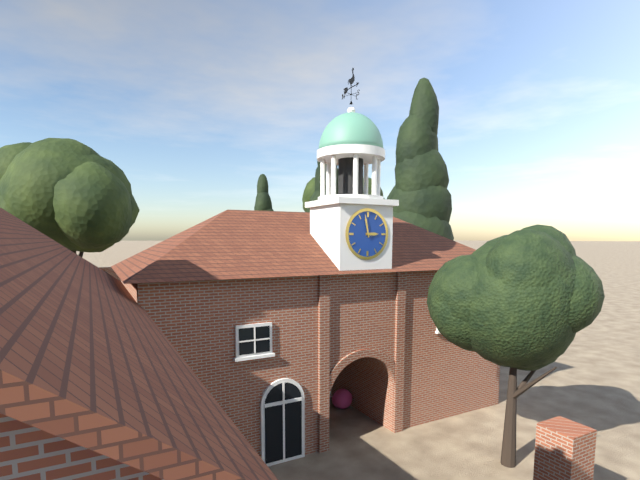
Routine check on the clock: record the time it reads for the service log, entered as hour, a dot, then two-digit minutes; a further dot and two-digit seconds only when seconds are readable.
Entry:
2.58
